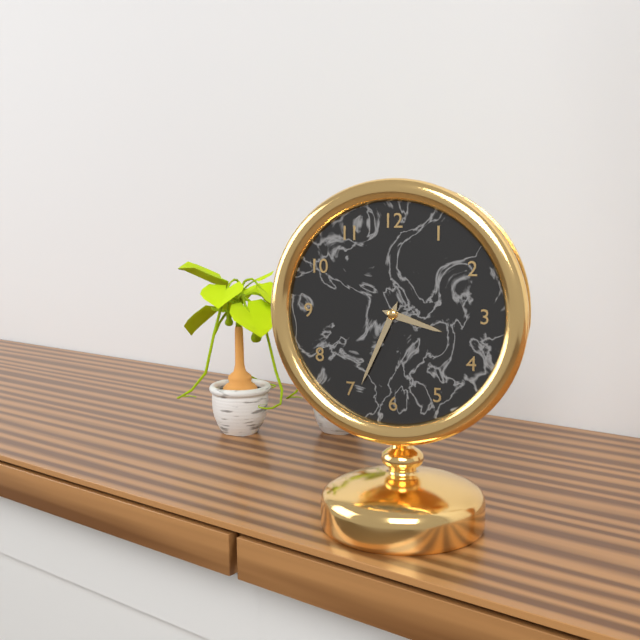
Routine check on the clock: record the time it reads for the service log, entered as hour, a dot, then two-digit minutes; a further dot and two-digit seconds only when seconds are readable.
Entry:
3.34
